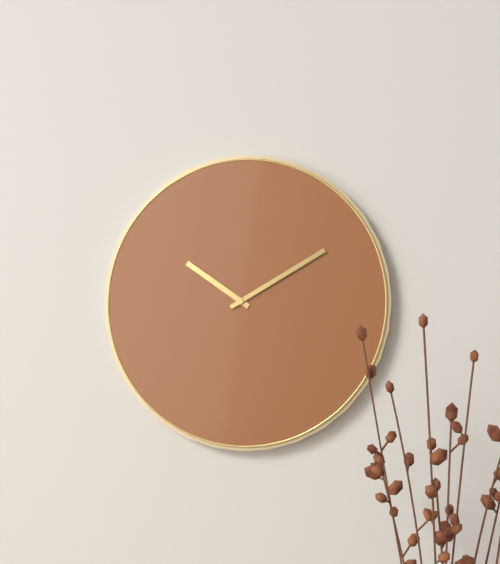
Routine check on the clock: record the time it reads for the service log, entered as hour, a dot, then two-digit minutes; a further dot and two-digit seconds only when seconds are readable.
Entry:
10.10
